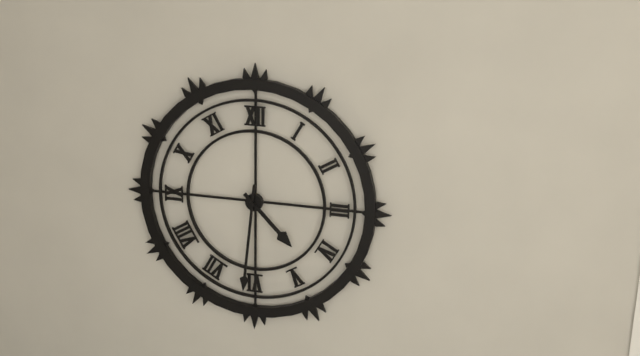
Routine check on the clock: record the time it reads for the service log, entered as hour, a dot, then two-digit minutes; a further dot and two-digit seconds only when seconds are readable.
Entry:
4.31
